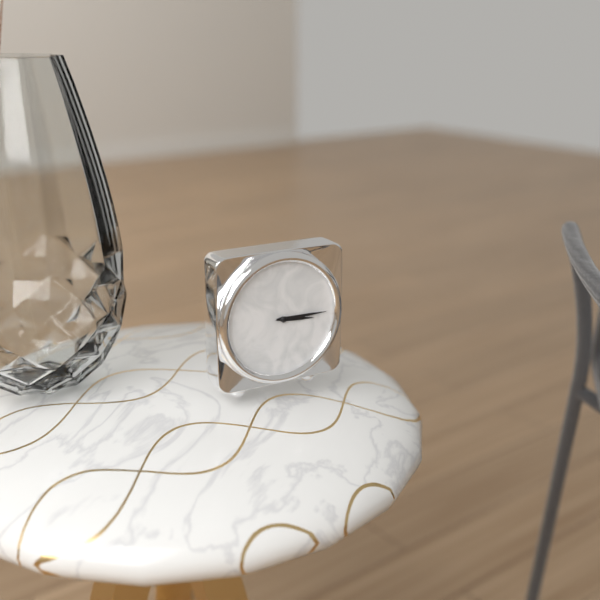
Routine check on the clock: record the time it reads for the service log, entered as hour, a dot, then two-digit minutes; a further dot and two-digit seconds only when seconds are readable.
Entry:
3.15
